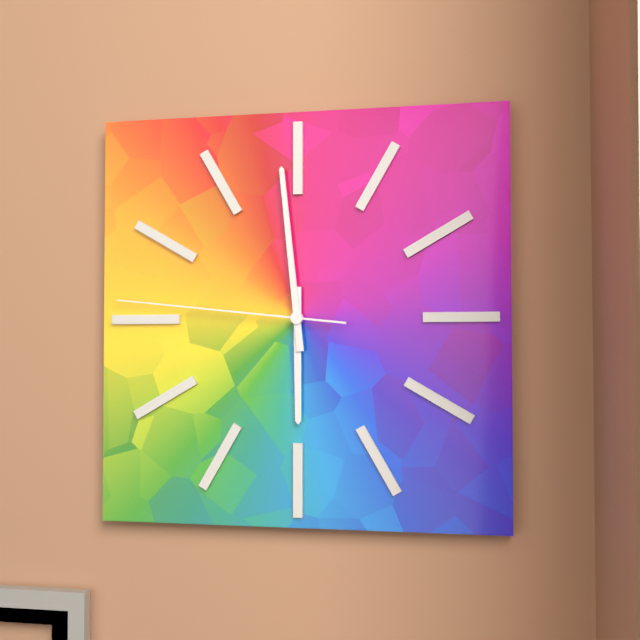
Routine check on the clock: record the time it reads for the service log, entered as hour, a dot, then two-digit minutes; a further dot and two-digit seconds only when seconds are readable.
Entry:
5.59.46
